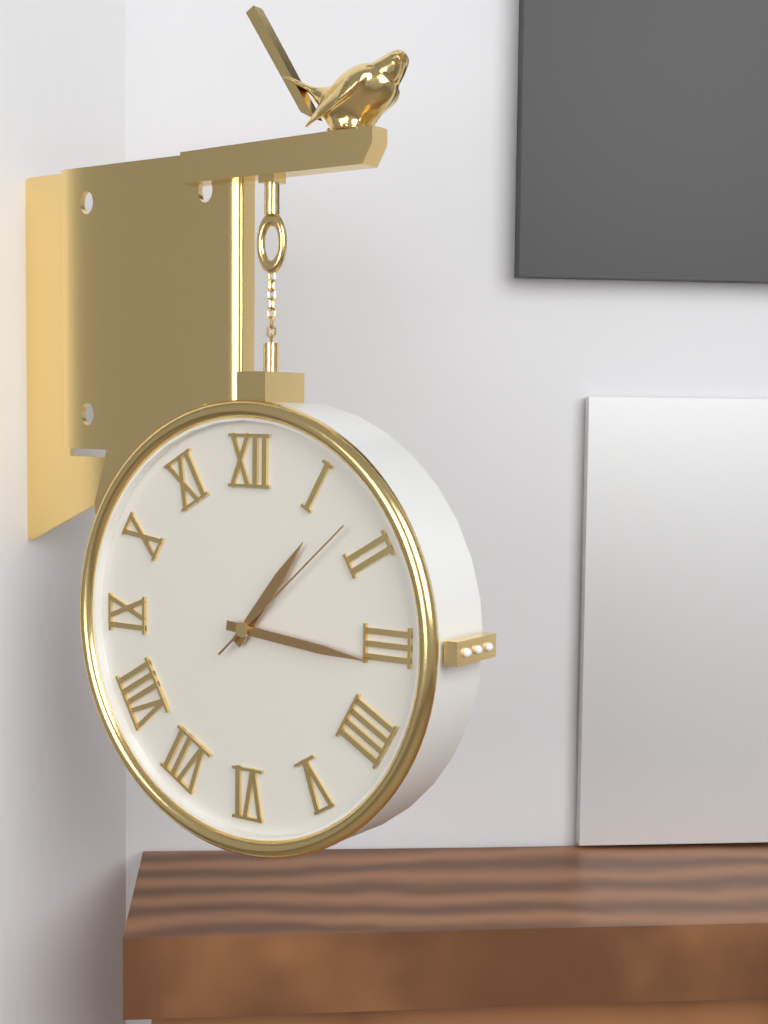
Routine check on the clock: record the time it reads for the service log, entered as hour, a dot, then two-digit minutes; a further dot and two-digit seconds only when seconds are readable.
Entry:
1.16.08
